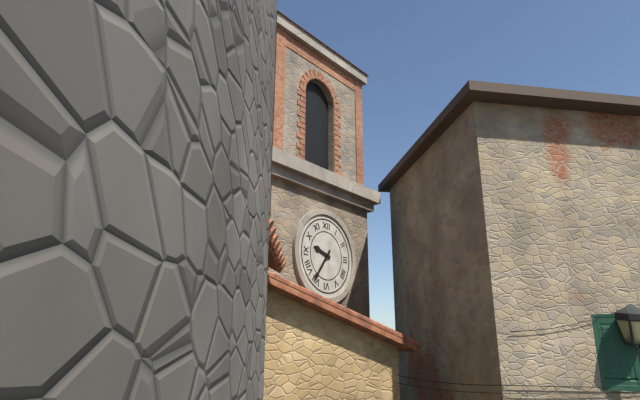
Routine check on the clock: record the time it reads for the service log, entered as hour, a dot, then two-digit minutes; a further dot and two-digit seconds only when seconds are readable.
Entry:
9.36
